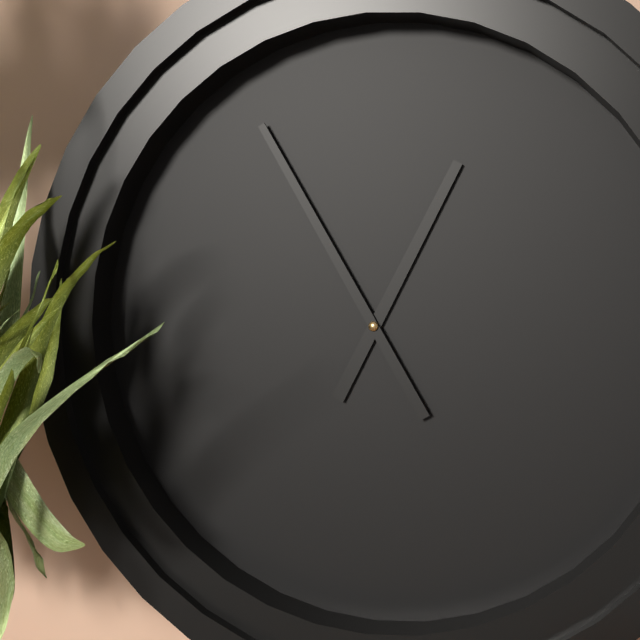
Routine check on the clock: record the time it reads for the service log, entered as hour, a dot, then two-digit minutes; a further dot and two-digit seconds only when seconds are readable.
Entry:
12.55
